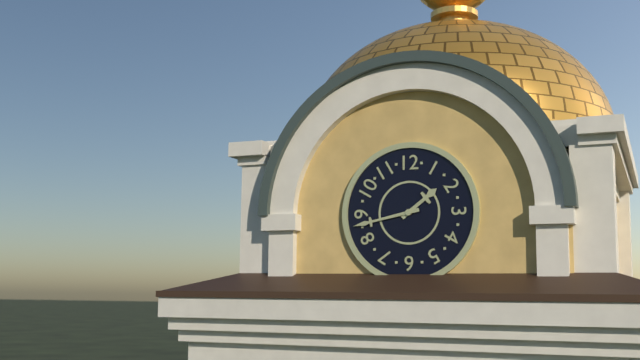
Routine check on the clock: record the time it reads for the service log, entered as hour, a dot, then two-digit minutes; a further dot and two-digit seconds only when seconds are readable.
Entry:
1.43
